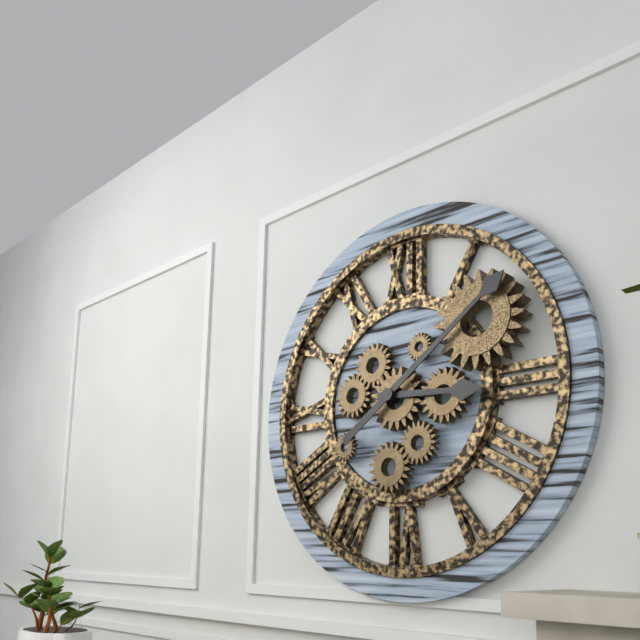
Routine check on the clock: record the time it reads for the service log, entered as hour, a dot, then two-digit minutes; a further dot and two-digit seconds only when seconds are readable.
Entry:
3.09
